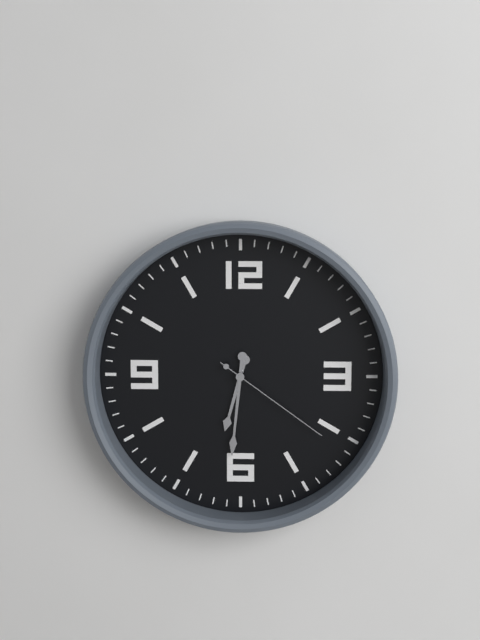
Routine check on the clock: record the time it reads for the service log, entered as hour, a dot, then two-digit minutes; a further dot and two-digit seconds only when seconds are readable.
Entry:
6.31.21
